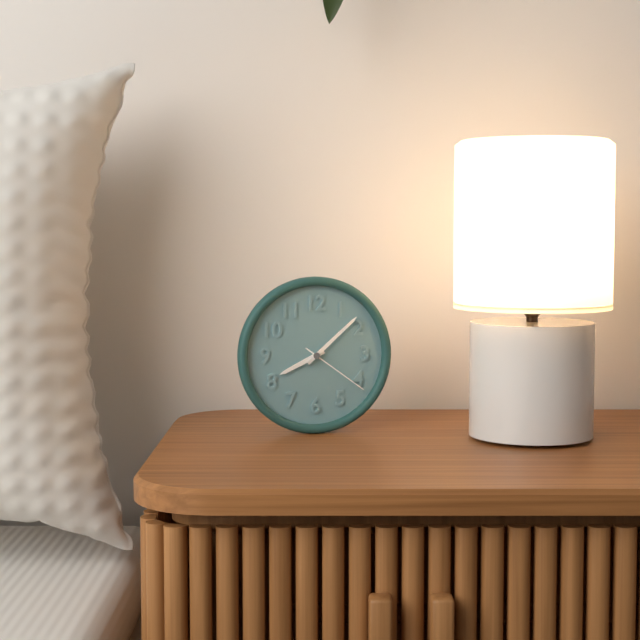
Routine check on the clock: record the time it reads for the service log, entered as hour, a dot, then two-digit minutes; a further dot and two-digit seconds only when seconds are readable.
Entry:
8.08.21
